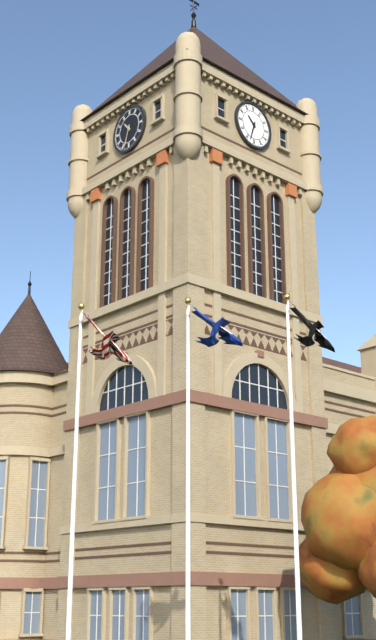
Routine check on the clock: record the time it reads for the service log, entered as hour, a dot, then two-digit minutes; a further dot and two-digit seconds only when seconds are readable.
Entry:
10.33
